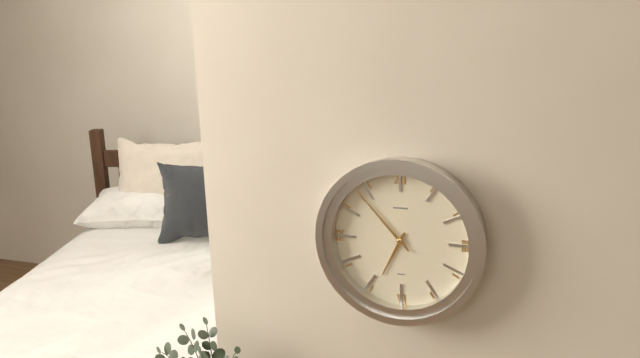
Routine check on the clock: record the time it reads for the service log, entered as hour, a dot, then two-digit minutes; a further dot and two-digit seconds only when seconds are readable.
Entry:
6.53
